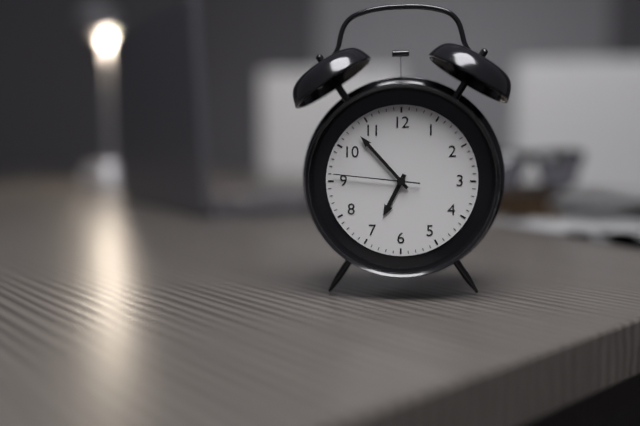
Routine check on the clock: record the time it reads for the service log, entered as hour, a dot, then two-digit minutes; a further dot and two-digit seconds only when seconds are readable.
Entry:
6.53.46
